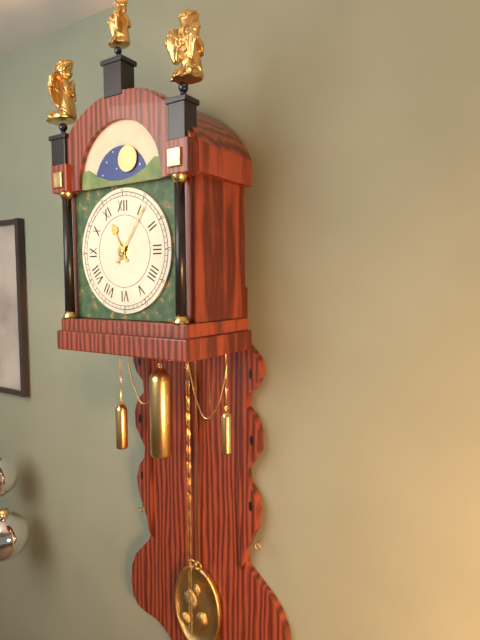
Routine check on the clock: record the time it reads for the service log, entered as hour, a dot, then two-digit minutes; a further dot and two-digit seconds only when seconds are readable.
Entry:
11.06
